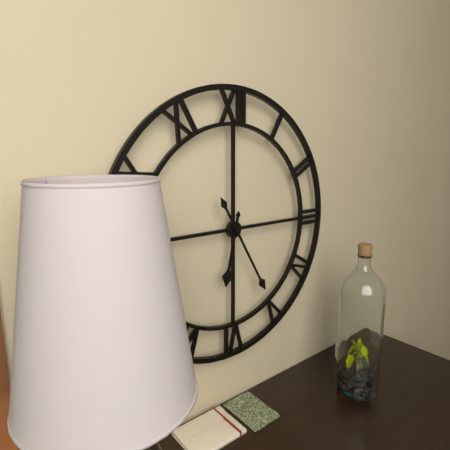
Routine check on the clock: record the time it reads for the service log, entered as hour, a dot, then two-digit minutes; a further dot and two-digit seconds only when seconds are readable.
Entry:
6.25
